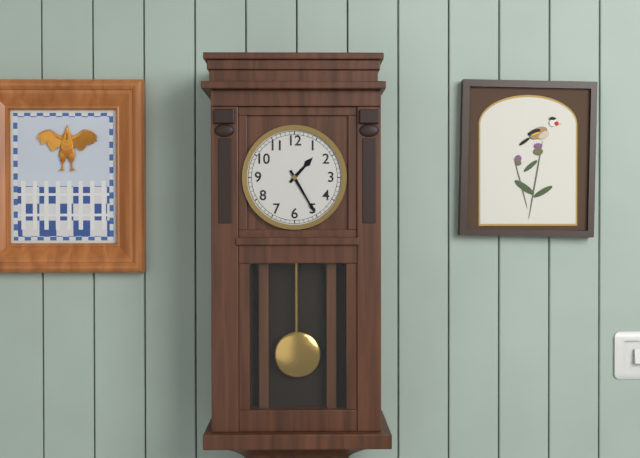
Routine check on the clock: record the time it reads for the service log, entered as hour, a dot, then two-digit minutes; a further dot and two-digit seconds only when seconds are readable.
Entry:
1.25
